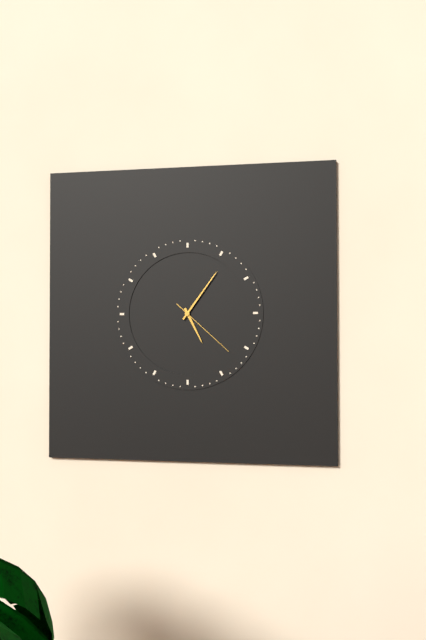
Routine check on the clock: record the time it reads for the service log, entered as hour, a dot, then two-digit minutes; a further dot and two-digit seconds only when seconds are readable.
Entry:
5.06.22
